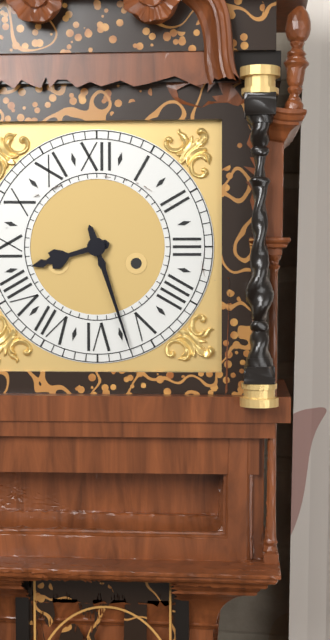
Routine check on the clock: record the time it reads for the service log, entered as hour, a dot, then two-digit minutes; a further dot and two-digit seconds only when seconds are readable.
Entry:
8.27
